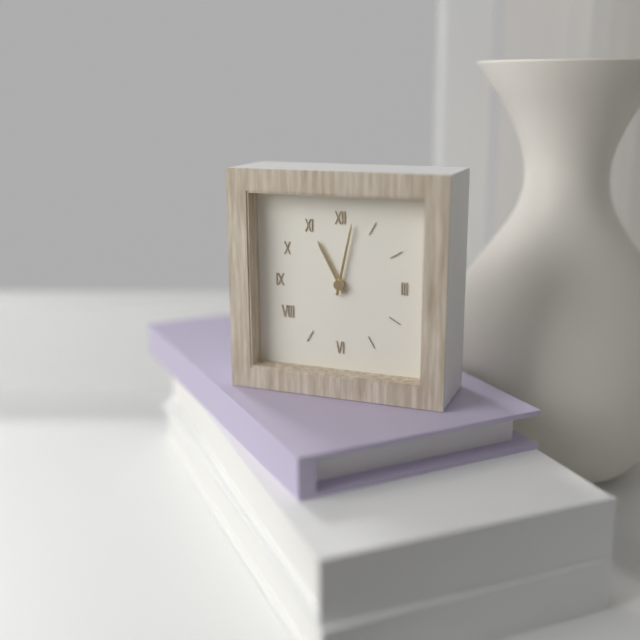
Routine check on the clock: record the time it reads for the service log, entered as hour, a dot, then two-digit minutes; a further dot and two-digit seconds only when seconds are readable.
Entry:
11.02
